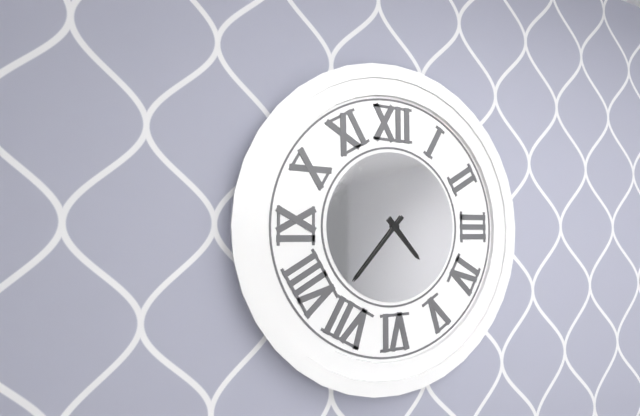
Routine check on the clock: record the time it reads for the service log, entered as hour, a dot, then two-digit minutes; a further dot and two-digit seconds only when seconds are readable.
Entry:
4.37
